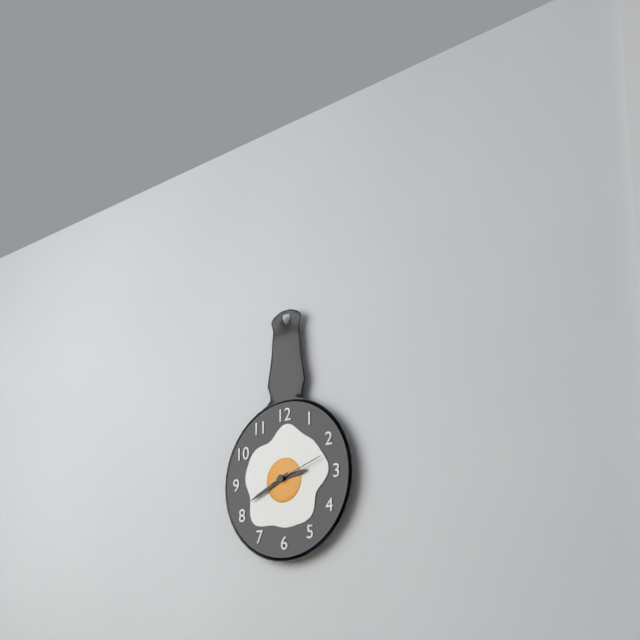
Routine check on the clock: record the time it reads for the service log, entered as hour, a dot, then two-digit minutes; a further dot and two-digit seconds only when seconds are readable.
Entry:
2.41.12
